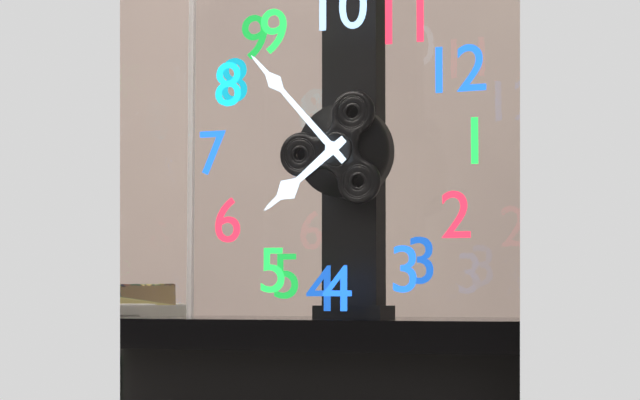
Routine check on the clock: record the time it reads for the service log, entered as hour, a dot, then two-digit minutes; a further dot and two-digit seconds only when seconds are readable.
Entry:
5.43
